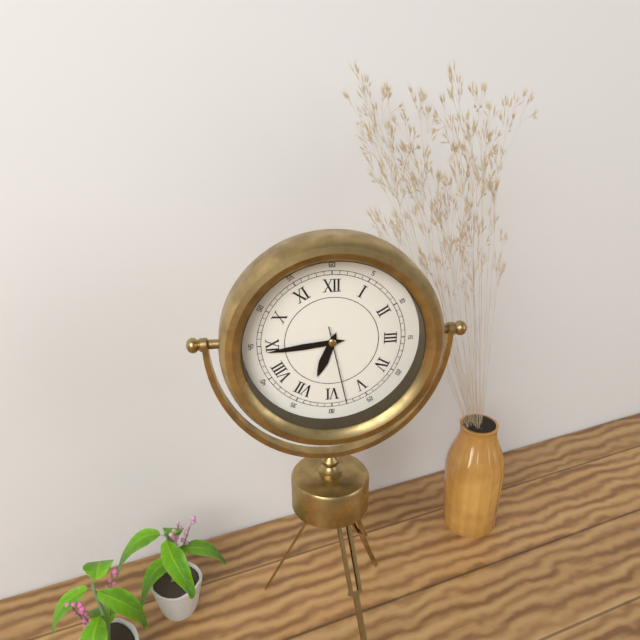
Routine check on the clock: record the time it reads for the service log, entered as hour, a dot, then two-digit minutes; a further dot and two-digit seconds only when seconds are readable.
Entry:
6.44.28
